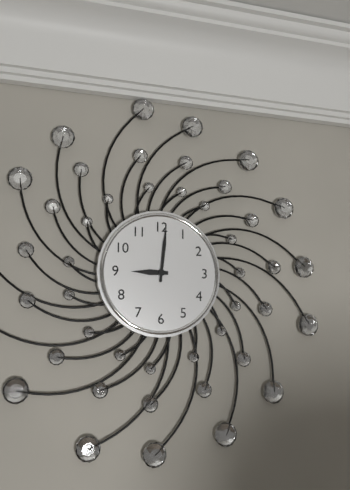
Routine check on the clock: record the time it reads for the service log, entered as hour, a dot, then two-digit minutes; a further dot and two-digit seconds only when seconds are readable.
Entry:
9.01
